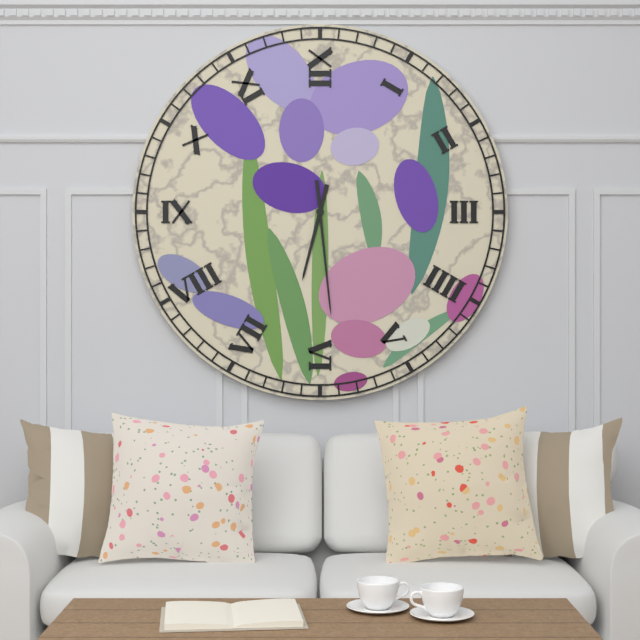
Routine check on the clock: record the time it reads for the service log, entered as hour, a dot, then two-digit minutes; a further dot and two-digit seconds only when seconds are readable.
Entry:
6.29
